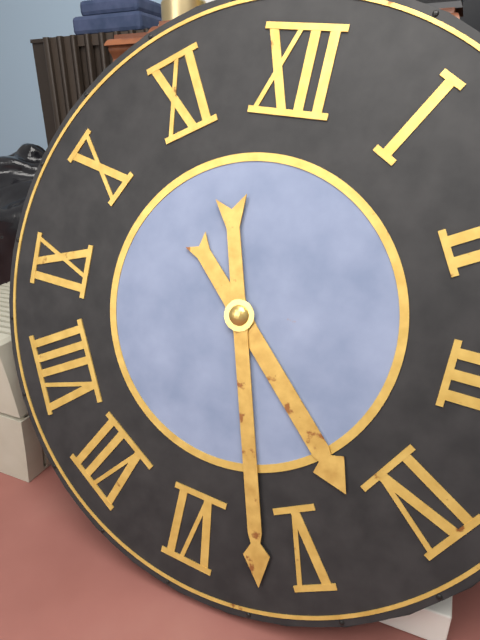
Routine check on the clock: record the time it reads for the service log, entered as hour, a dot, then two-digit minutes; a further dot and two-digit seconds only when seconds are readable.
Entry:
4.27
